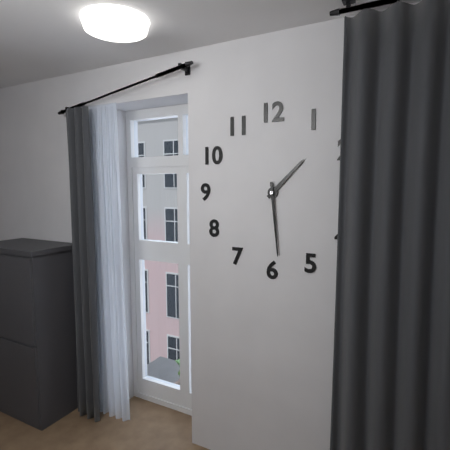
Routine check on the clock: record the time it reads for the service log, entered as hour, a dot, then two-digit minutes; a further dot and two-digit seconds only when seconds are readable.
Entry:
1.29
